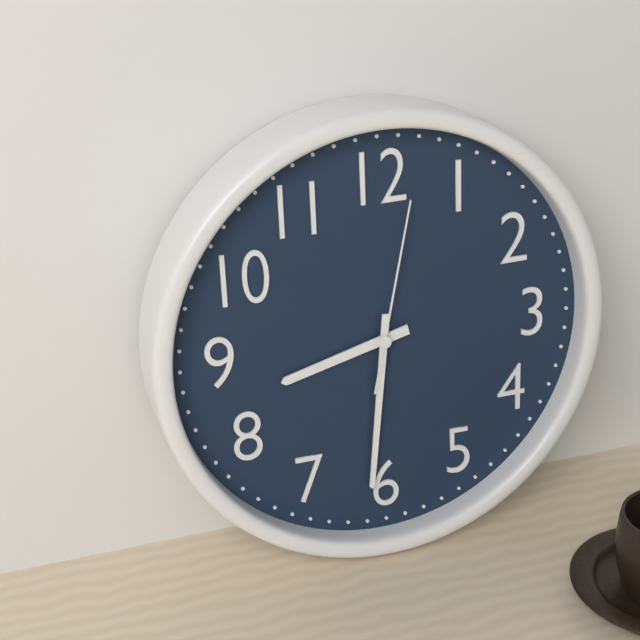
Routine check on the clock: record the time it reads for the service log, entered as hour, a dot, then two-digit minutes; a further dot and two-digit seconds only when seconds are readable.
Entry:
8.31.02
